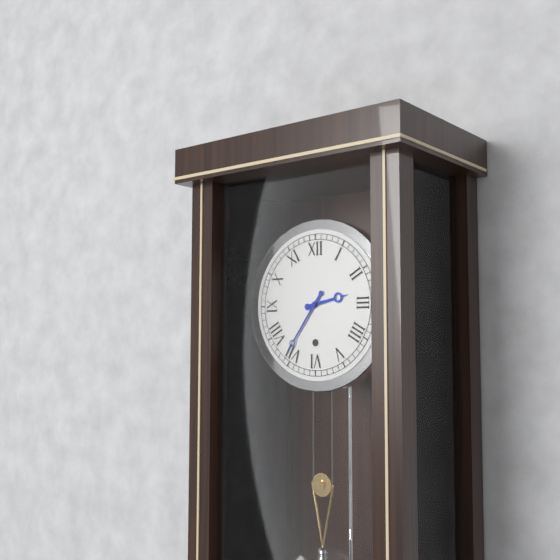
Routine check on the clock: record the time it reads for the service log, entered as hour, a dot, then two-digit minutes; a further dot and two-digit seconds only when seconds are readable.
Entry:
2.36
